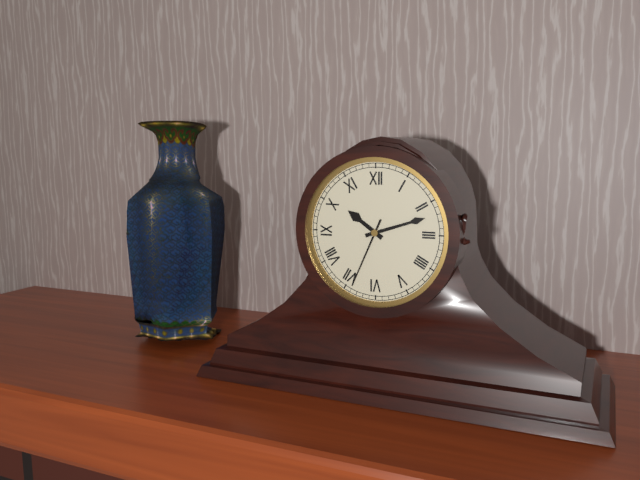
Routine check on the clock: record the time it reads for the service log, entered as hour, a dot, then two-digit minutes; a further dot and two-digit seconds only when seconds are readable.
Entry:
10.12.34
